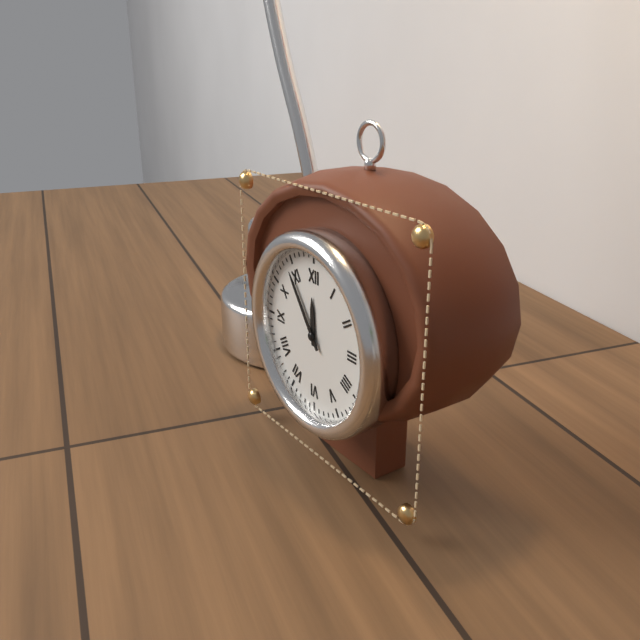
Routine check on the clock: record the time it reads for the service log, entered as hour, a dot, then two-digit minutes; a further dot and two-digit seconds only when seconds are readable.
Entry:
11.54
